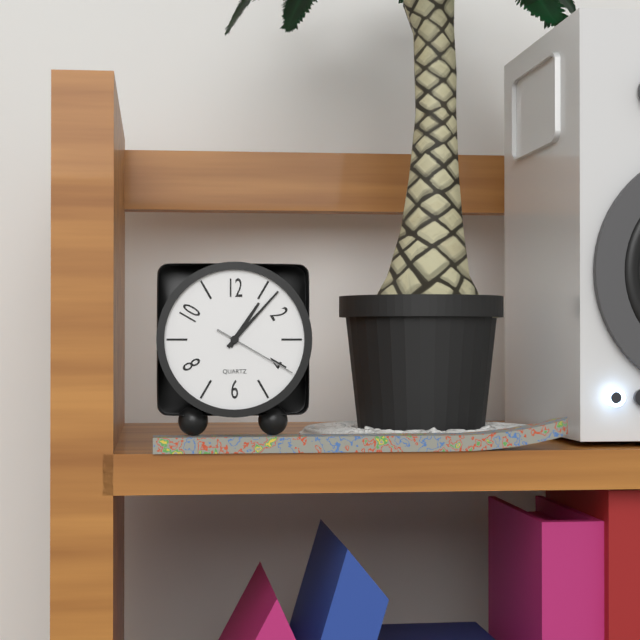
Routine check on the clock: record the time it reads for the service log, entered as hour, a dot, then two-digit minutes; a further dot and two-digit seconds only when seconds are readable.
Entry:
1.07.20
